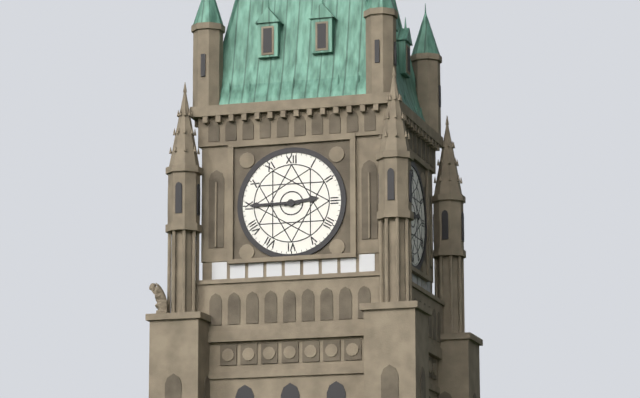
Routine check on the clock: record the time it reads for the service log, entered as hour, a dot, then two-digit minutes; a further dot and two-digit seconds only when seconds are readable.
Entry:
2.45
